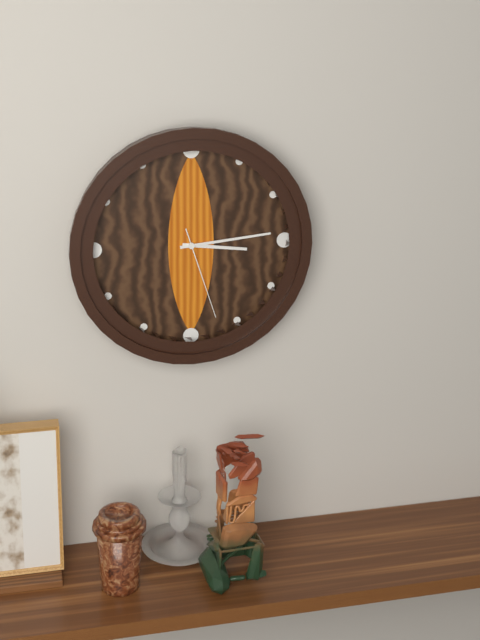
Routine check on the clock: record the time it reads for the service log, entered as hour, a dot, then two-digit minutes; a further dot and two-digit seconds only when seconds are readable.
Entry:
3.14.27
